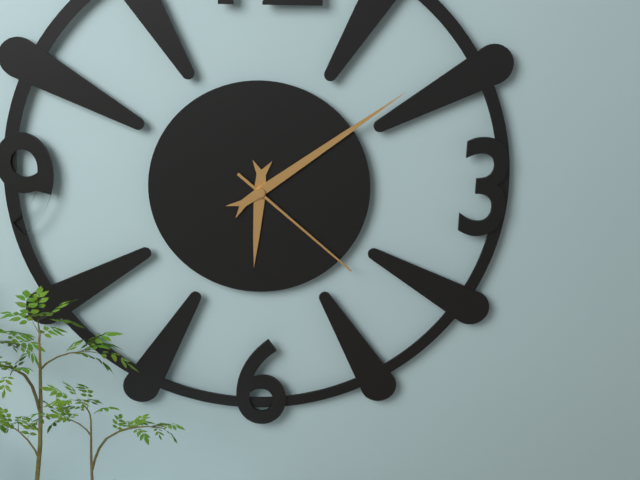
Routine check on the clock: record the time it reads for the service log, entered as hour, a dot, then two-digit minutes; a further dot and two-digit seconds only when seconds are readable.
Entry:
6.09.22
